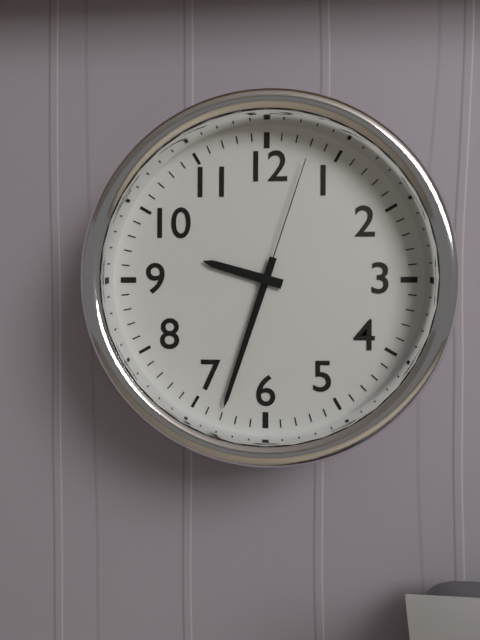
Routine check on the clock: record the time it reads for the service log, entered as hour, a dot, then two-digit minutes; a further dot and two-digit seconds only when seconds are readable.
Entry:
9.33.03
